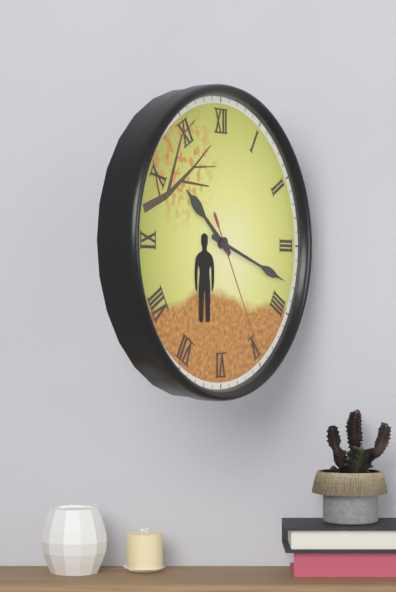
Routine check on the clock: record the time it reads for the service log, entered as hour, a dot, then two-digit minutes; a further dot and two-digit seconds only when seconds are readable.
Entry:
10.18.25
